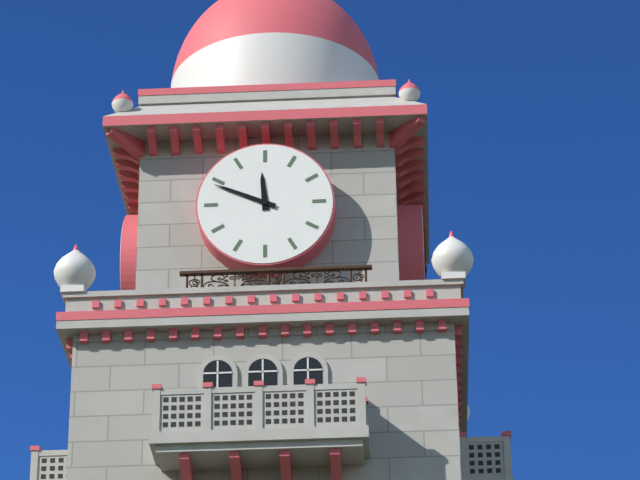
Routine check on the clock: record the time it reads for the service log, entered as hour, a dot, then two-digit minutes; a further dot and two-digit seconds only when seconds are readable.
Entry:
11.49
